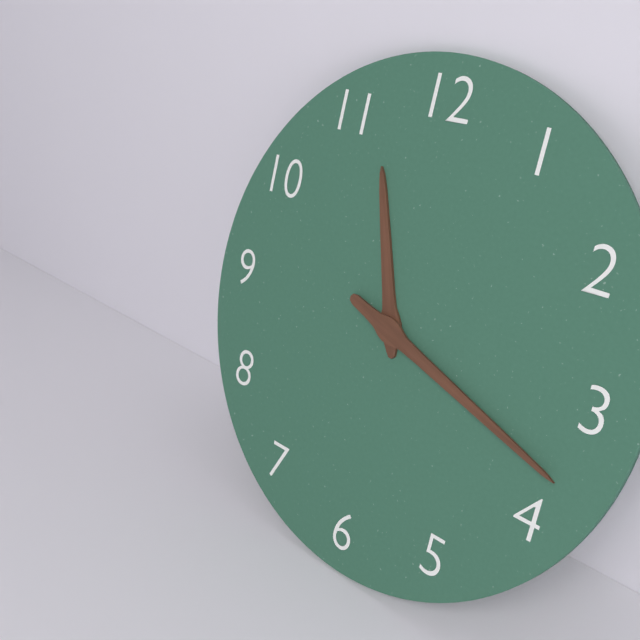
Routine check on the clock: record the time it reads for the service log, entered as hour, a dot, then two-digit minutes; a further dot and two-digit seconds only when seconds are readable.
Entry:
11.18
